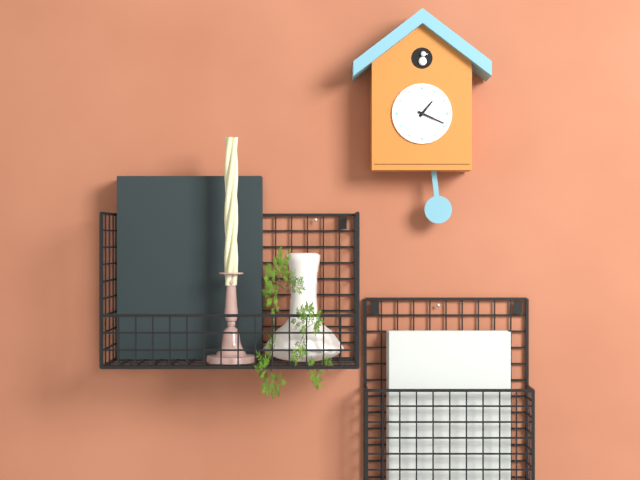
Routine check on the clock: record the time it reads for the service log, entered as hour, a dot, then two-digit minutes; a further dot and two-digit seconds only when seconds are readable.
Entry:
1.19
